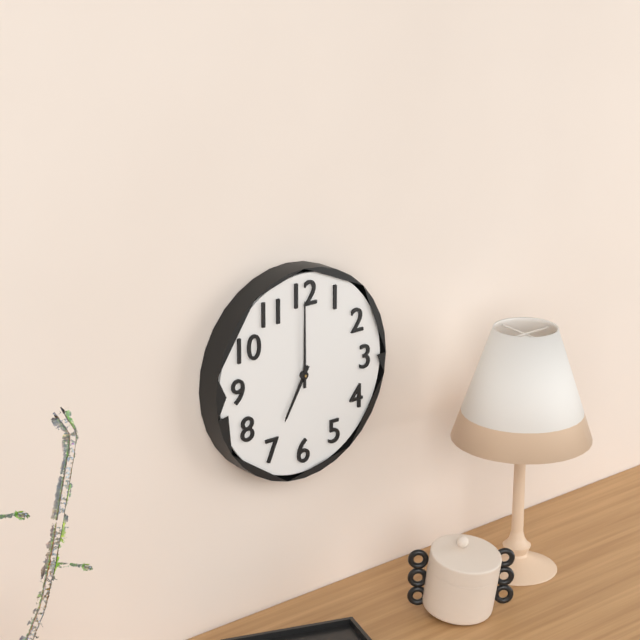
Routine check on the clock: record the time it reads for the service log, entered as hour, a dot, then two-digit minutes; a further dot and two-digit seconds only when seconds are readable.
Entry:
7.00
